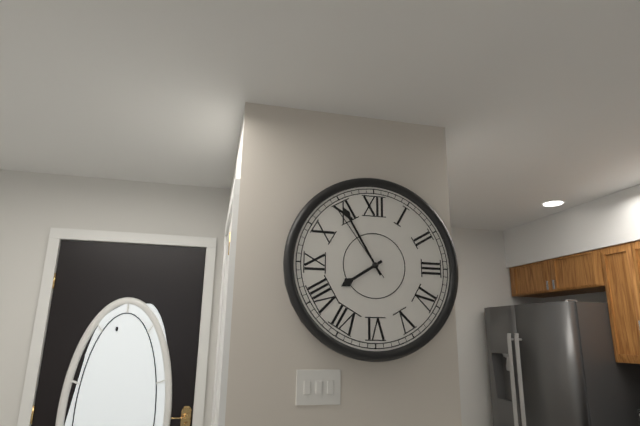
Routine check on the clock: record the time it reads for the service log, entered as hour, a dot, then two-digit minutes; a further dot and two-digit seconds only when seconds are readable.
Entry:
7.55.54
